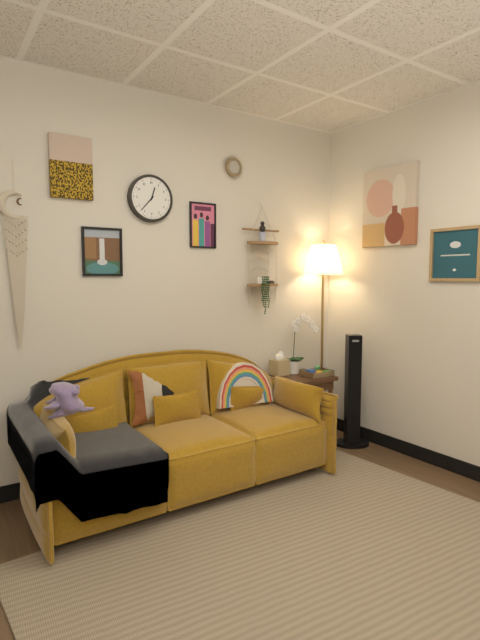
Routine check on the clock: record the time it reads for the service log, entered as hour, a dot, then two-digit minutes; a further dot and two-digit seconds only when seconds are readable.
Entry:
12.37
